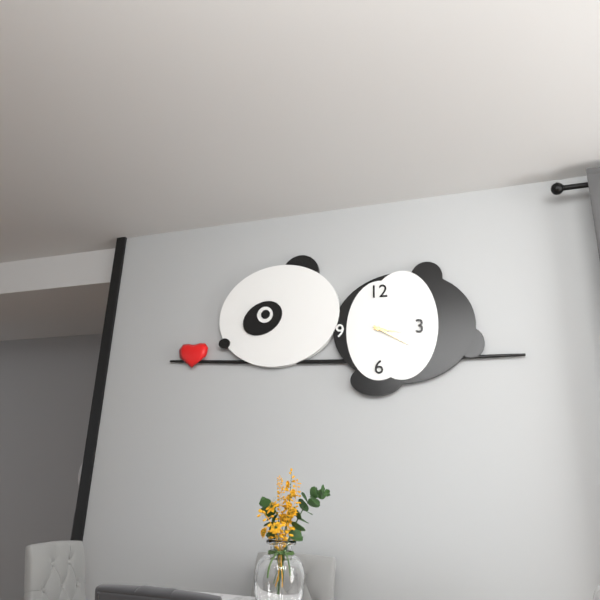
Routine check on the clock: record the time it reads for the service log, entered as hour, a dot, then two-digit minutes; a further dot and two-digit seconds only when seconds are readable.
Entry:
3.20
